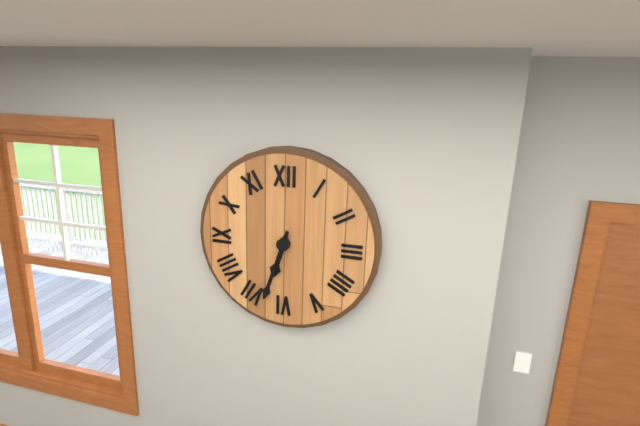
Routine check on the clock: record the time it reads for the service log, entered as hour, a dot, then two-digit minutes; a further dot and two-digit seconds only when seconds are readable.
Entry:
6.33
